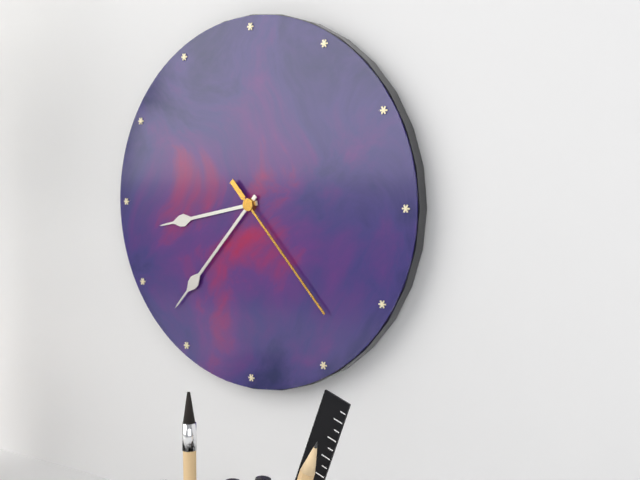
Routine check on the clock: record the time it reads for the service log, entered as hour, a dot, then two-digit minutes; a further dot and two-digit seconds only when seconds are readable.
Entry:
8.37.23
